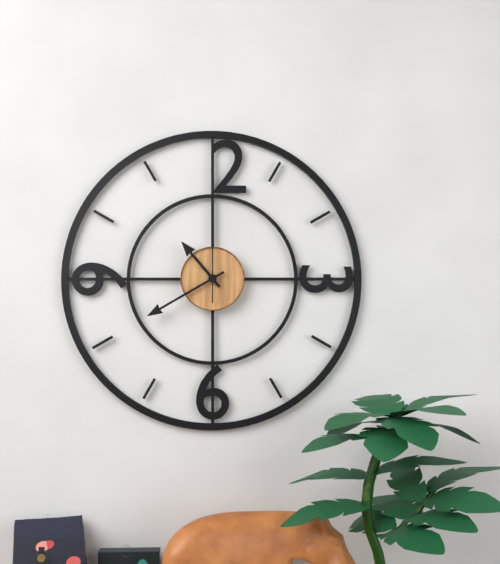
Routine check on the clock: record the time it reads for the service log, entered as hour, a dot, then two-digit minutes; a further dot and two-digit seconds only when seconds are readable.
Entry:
10.40.00
